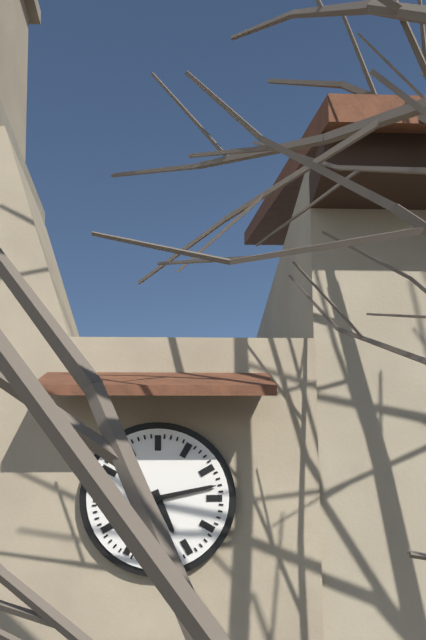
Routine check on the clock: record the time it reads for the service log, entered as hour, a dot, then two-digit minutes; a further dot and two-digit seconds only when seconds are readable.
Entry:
5.13
